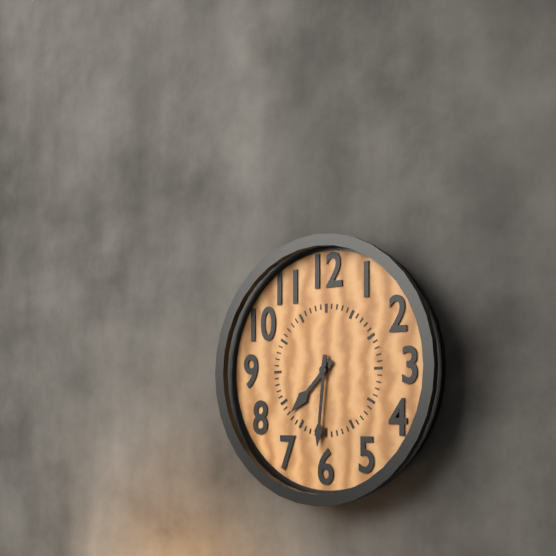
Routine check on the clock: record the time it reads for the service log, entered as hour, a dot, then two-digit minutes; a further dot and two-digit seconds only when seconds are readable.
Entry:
7.31
